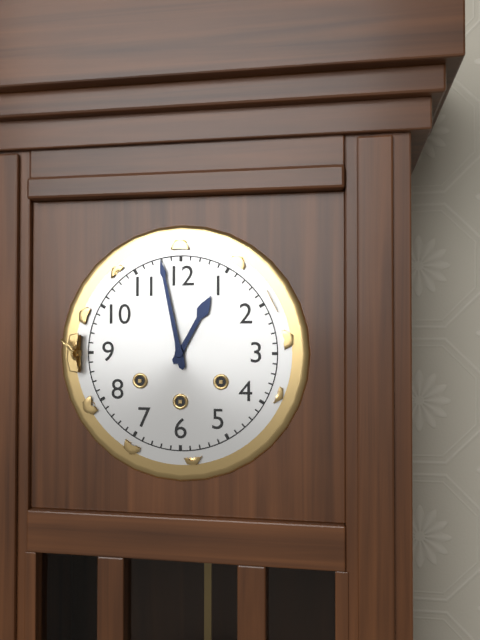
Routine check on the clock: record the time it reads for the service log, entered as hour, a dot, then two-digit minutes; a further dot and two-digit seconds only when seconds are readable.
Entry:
12.58
